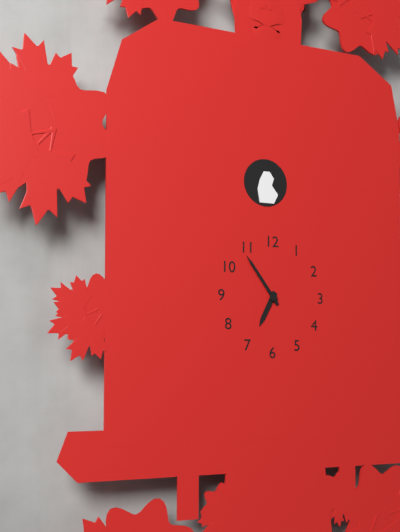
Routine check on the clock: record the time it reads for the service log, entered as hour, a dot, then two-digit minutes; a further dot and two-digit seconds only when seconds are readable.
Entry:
6.54
